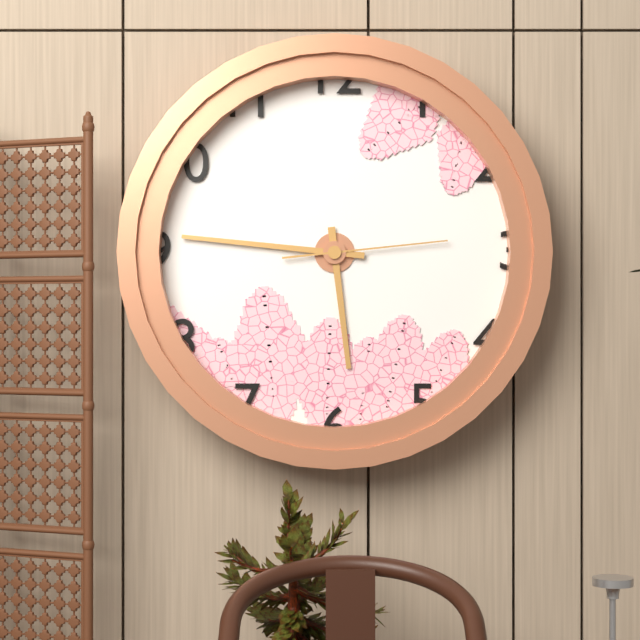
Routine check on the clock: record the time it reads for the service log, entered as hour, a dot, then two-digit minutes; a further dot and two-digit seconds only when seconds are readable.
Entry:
5.46.14
